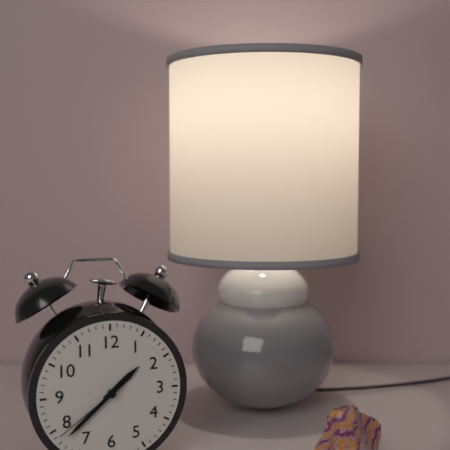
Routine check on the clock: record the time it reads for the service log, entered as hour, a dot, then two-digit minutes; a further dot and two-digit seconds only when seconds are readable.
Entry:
1.38.39
